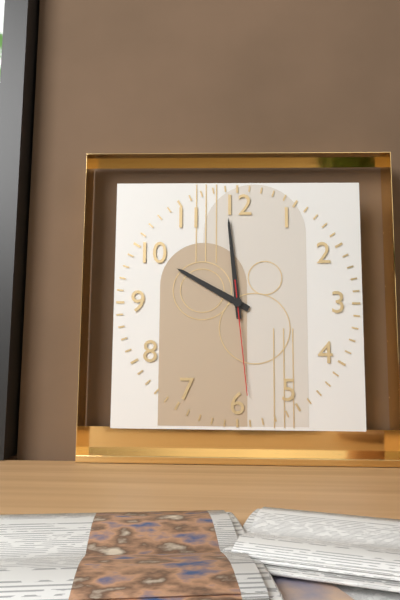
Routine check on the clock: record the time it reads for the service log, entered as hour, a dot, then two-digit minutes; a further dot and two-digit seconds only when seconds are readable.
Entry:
9.59.29
